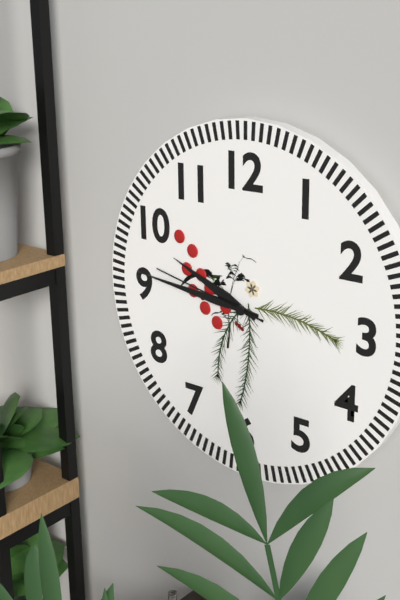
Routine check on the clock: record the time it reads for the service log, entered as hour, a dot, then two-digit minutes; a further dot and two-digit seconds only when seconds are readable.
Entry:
9.46.47
